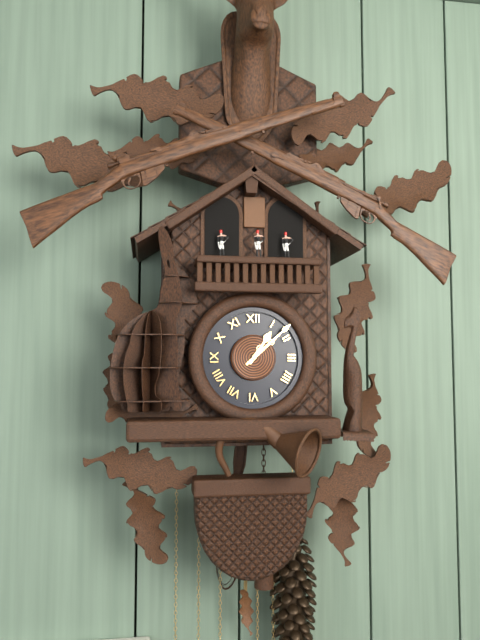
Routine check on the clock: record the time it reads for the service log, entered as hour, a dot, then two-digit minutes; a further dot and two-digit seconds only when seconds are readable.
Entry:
1.08
